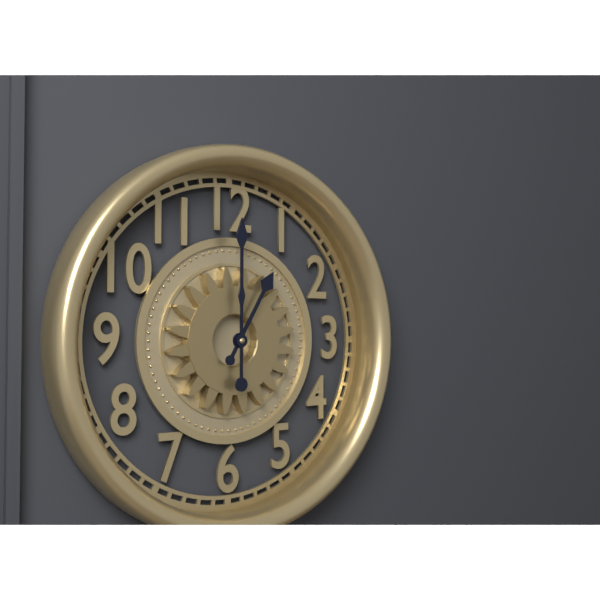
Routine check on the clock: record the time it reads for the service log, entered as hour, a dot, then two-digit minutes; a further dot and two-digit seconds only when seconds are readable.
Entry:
1.00
